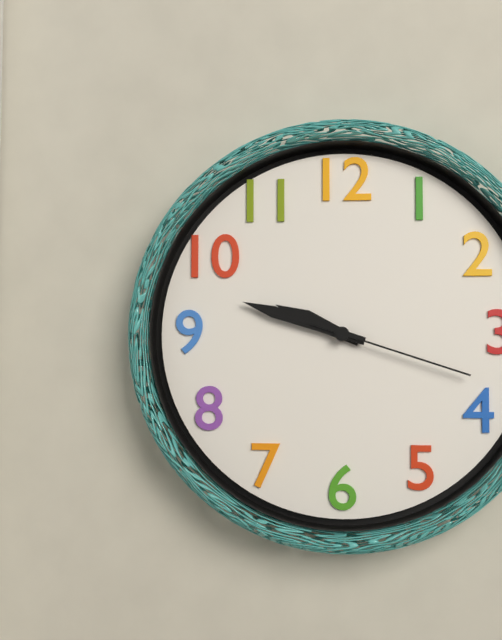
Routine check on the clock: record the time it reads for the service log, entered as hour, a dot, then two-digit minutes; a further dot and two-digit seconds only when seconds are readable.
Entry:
9.48.18
